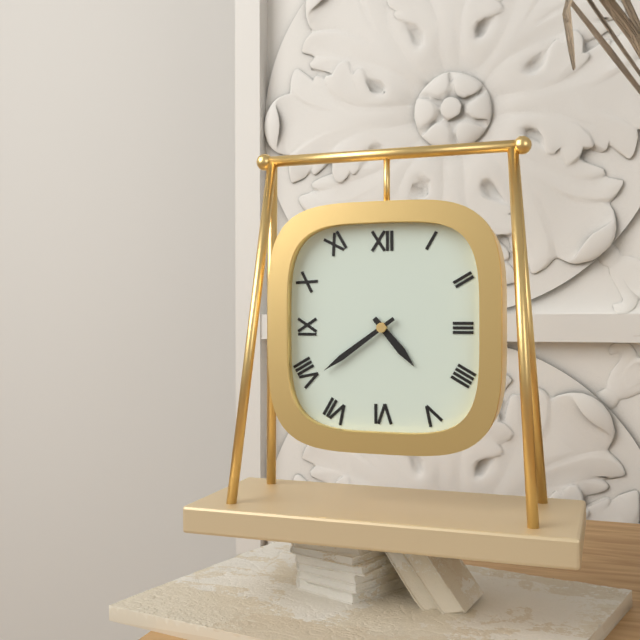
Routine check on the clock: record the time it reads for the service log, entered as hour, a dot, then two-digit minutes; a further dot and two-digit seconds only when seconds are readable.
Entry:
4.39
